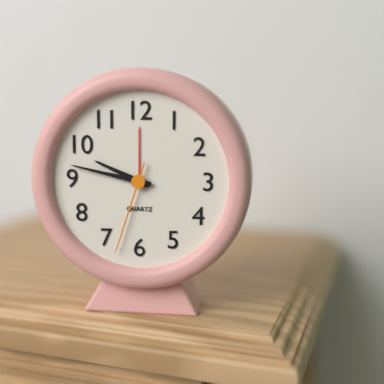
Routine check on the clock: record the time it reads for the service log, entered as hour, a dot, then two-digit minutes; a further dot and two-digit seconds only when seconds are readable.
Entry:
9.47.33
